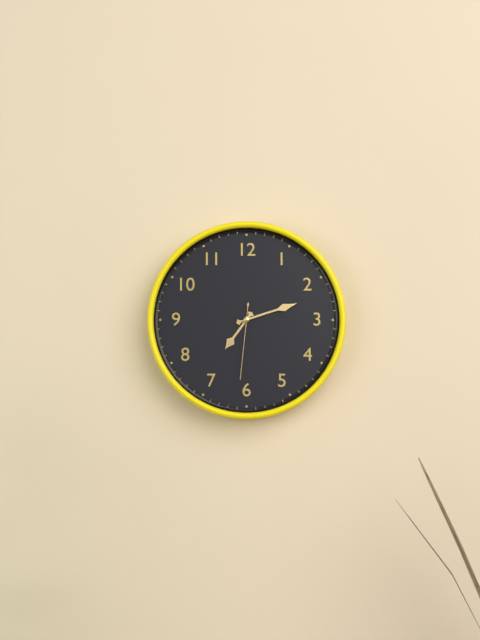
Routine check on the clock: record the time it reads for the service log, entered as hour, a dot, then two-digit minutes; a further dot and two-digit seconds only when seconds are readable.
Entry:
7.12.31
